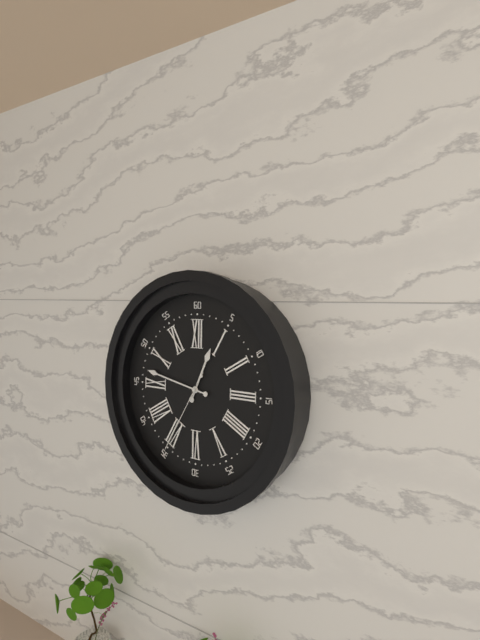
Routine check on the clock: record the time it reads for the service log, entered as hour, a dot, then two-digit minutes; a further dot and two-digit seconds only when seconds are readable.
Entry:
12.47.35
